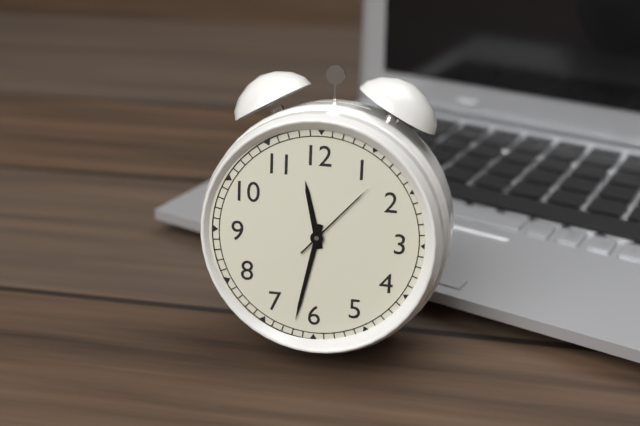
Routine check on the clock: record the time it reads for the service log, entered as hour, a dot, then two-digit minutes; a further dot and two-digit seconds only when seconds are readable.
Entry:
11.32.07
